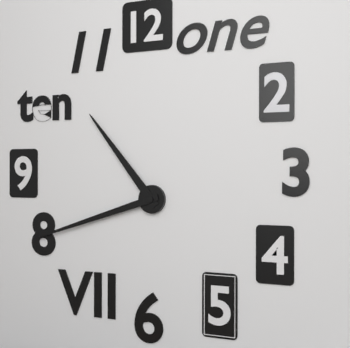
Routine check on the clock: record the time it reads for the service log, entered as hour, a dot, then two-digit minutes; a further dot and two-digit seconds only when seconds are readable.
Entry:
10.42
